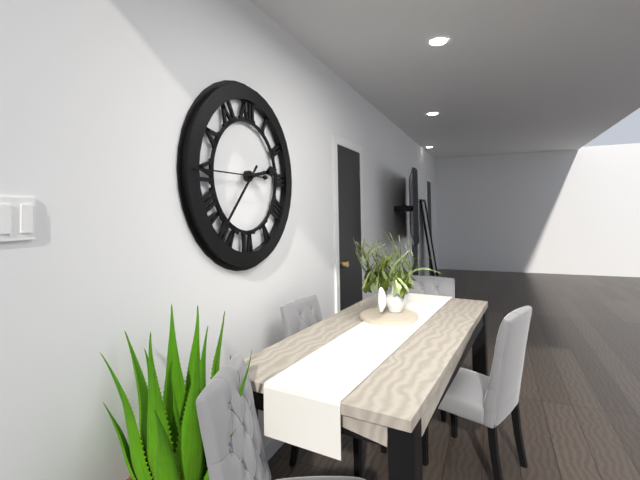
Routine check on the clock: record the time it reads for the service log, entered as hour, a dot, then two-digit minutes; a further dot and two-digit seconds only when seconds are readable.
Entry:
2.37.45
